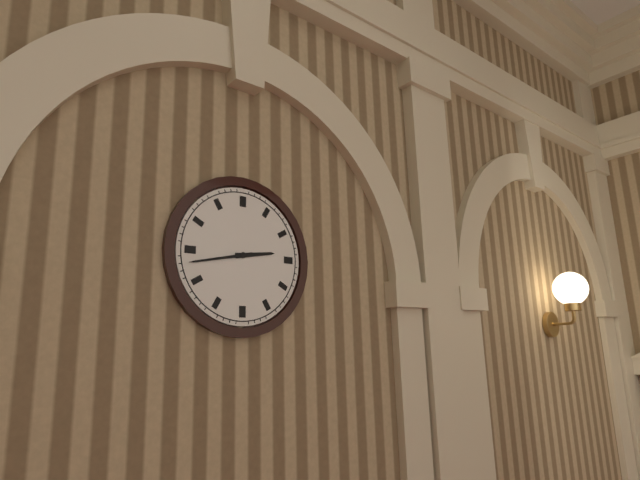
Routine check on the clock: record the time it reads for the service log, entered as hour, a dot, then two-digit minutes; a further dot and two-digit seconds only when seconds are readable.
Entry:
2.43
